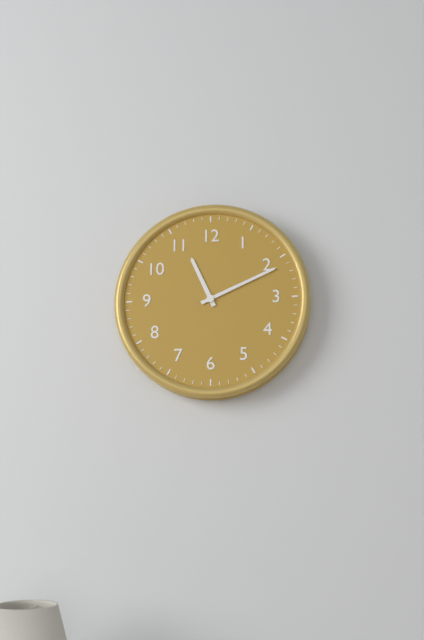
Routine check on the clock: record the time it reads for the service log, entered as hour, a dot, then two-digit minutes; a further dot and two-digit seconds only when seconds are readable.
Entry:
11.11
